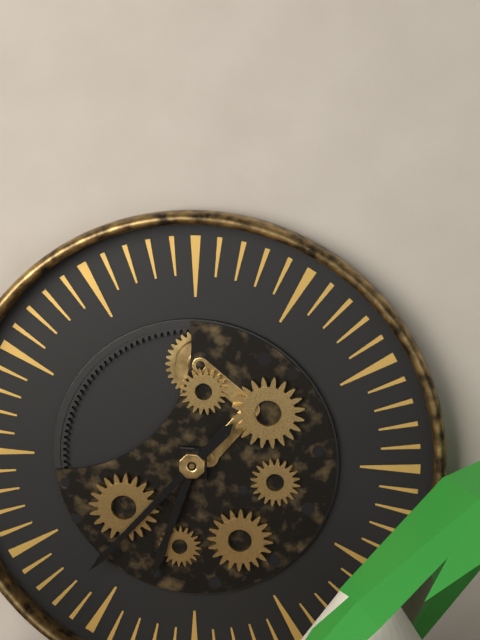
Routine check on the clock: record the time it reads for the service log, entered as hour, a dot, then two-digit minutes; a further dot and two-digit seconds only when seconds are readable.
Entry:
6.37
